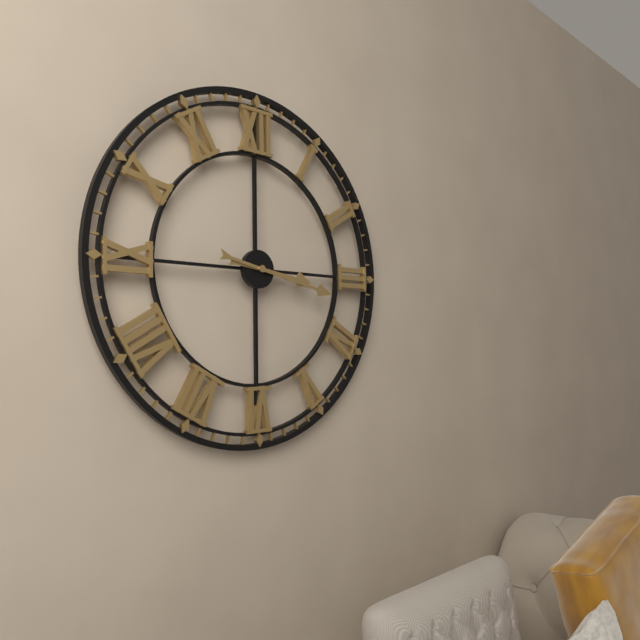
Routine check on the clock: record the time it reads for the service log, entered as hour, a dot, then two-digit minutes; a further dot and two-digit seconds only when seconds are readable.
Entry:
3.17
